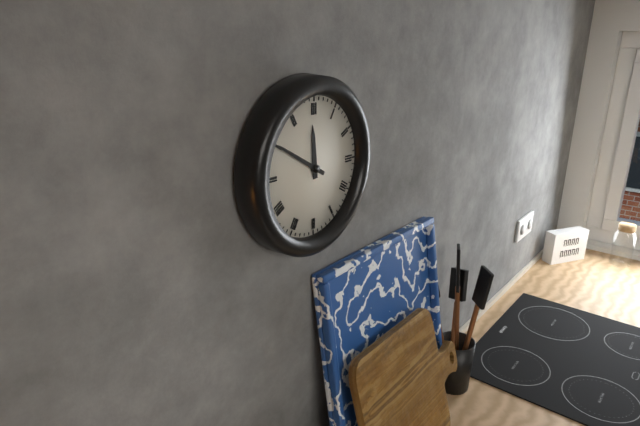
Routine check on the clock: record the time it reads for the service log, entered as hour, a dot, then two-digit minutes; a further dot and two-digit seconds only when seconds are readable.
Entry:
11.50
